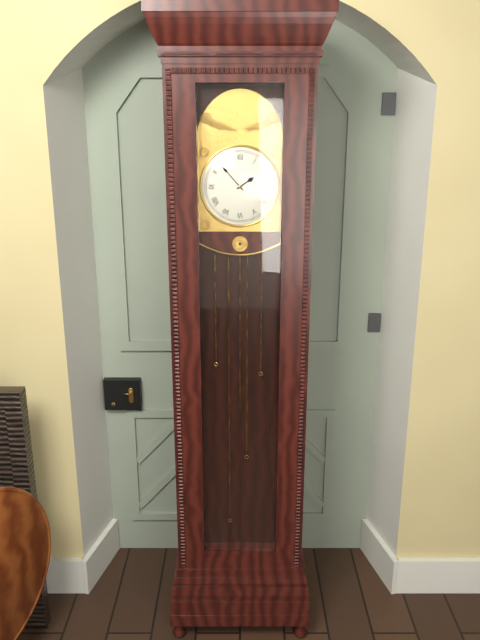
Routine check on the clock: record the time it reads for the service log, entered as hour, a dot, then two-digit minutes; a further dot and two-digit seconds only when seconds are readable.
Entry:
1.53
